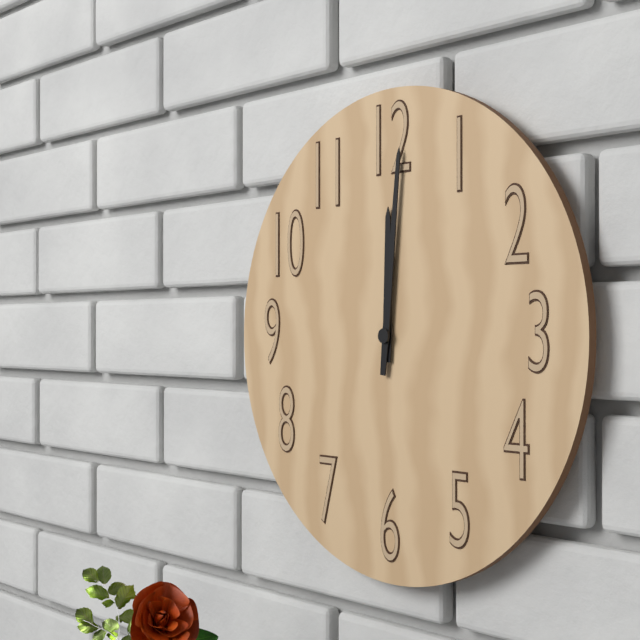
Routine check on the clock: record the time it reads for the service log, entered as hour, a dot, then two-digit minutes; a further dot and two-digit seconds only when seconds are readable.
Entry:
12.01
